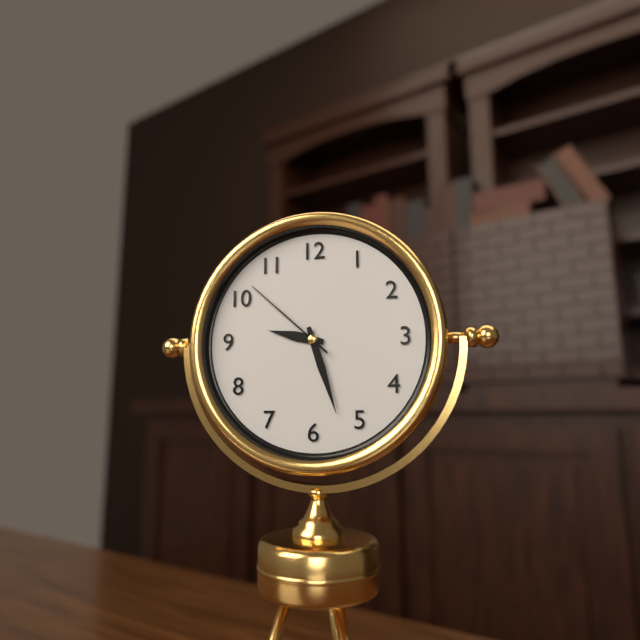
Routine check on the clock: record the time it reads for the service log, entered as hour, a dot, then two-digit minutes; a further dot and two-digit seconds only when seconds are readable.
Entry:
9.27.52
